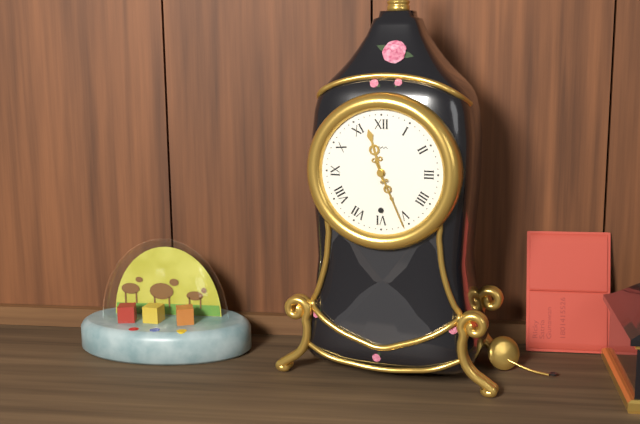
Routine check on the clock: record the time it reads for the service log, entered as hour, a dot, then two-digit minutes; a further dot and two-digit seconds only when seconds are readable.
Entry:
11.26
